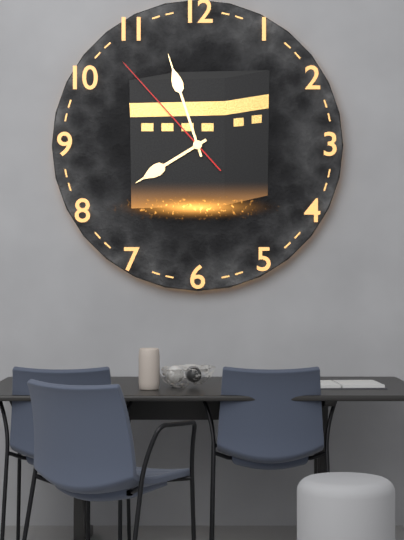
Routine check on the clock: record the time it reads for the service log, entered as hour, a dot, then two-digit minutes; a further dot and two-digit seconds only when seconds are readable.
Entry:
7.57.53
